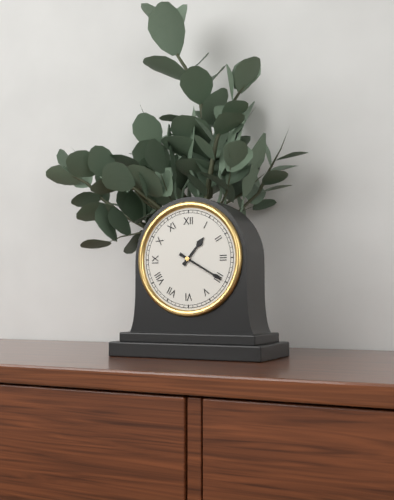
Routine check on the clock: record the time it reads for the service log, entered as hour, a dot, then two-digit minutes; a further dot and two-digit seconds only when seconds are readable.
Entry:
1.20
